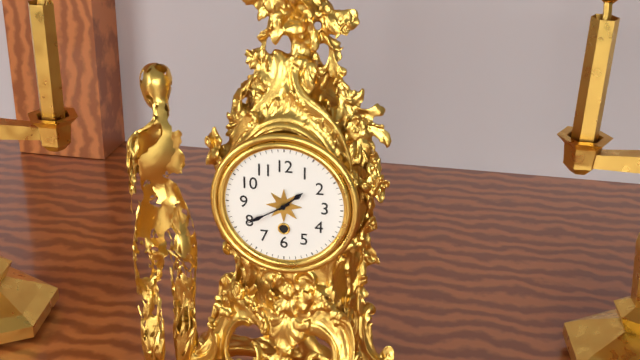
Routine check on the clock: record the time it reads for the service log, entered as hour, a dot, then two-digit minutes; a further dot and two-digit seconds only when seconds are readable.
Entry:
1.40
